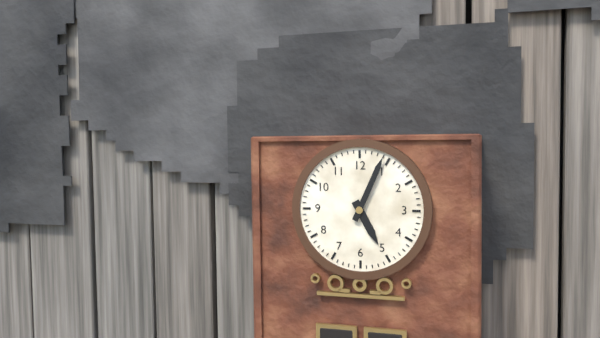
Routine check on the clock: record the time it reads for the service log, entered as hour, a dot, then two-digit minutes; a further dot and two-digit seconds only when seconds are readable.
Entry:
5.04
